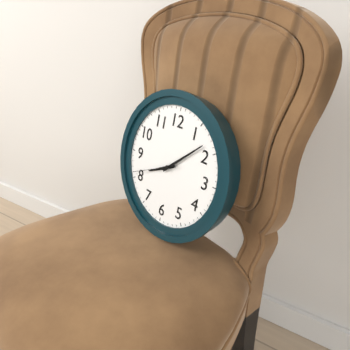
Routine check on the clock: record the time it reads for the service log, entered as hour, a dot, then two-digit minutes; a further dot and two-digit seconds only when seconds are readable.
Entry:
8.08
